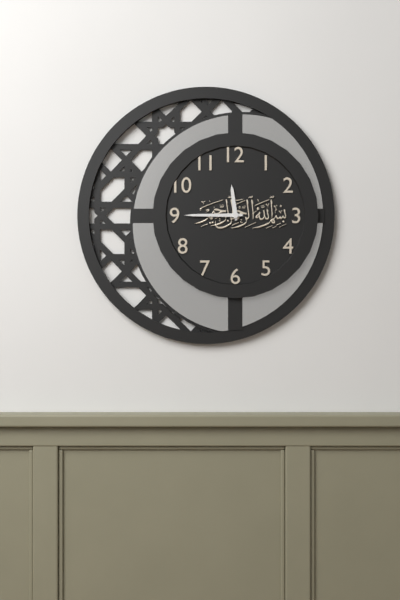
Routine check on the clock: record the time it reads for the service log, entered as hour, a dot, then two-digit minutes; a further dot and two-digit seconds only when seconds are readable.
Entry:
11.45
